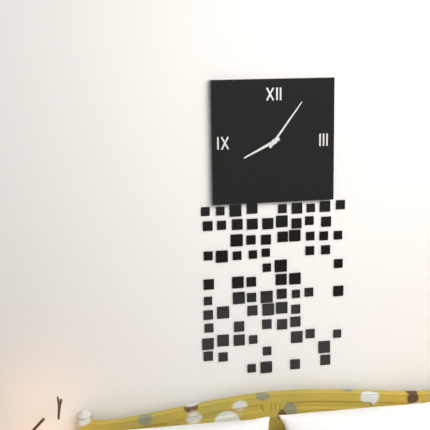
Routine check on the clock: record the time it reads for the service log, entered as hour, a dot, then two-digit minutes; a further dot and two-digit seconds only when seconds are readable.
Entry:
8.06
